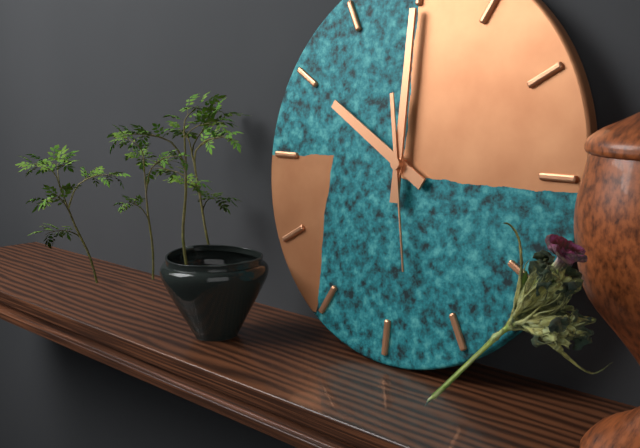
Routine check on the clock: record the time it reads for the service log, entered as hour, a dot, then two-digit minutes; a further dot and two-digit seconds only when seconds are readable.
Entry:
10.00.28
